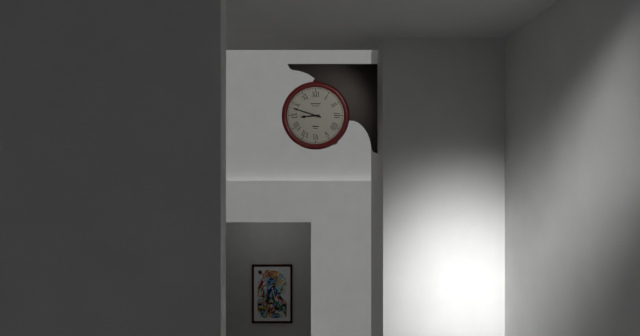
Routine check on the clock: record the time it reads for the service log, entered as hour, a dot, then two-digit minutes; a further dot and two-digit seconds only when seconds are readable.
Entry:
8.48
